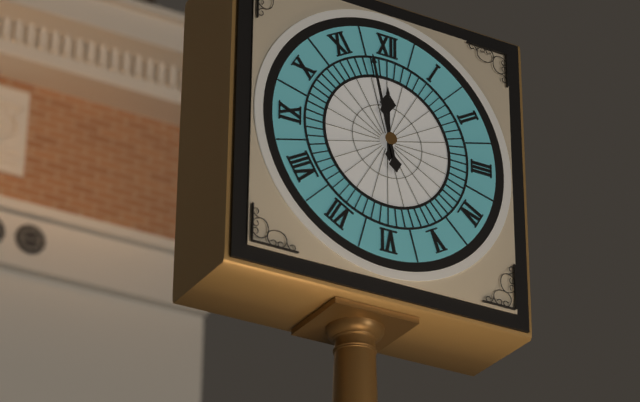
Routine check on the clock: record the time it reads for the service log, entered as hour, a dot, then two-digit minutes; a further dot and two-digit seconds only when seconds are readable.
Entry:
11.58
